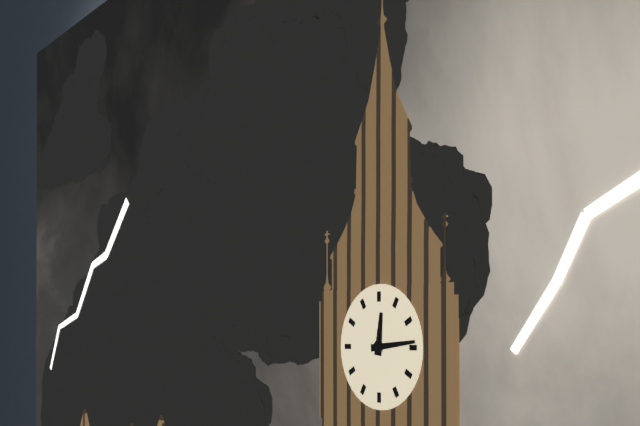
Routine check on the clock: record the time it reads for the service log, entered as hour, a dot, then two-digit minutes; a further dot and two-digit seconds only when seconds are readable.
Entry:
12.14
